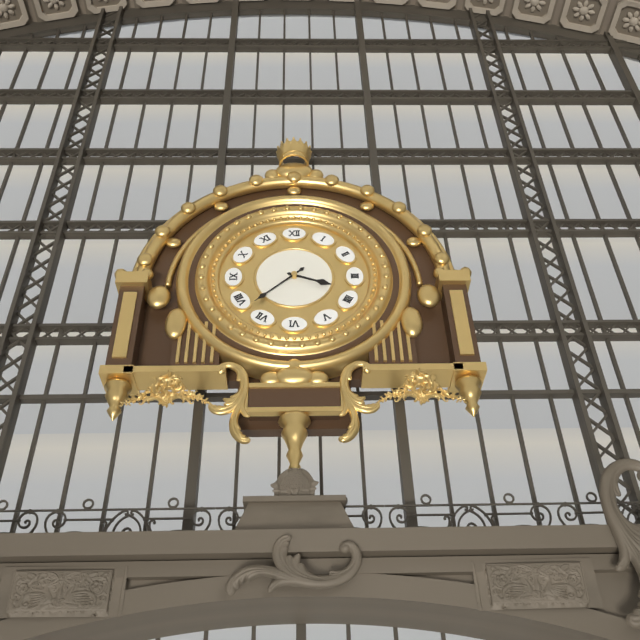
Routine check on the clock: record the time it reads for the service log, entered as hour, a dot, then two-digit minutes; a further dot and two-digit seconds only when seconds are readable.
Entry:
3.38
